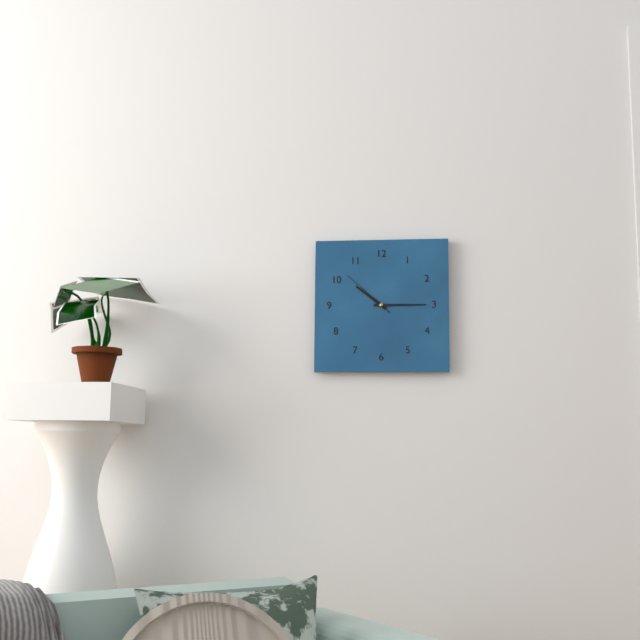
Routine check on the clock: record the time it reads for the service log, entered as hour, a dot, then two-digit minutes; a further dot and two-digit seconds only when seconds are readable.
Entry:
10.15.52
